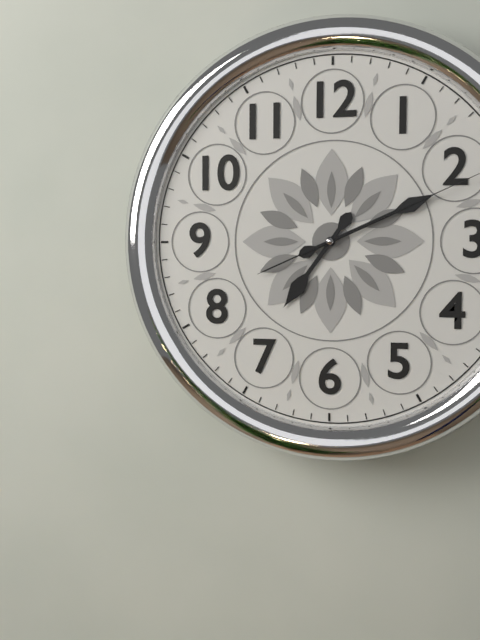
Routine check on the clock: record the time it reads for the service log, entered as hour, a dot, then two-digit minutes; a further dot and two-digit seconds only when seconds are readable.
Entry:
7.11
